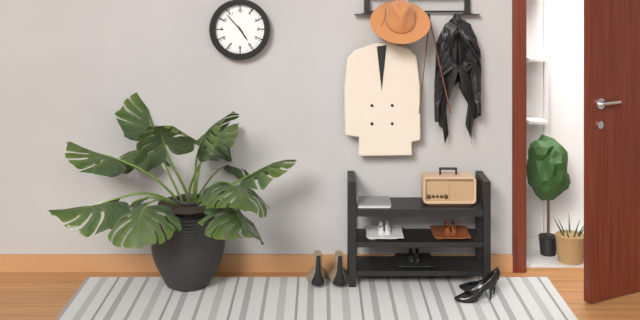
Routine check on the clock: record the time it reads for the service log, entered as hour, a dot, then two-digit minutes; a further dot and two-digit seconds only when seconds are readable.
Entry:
4.53
